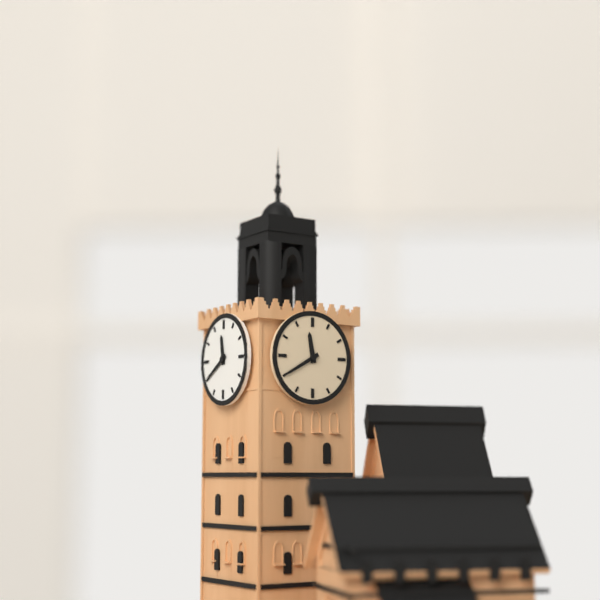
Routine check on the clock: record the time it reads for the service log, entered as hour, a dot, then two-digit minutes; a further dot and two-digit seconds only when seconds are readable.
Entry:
11.40
